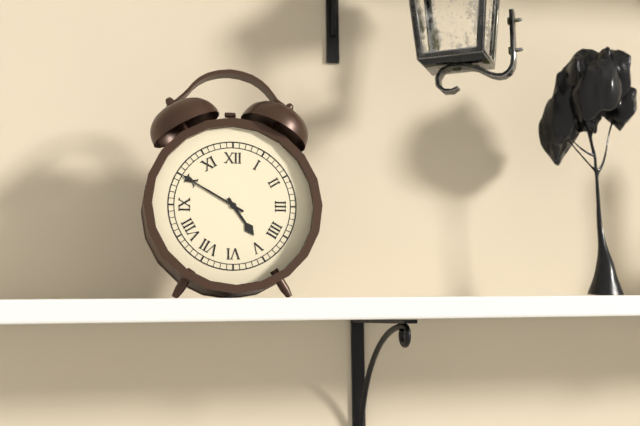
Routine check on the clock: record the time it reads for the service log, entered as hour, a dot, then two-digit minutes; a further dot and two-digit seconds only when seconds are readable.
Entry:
4.50
